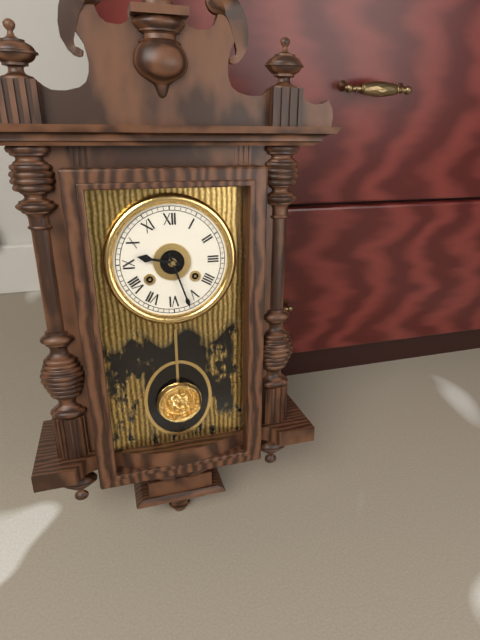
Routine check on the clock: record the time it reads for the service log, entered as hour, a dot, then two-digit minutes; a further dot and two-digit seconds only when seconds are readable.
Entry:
9.27
